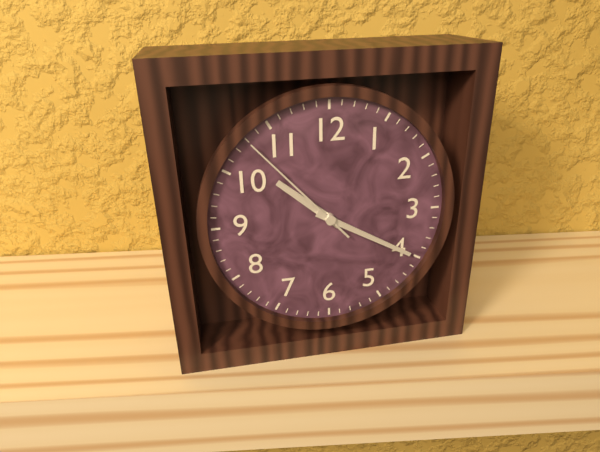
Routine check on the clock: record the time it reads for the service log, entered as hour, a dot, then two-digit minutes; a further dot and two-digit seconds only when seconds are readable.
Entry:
10.20.53
